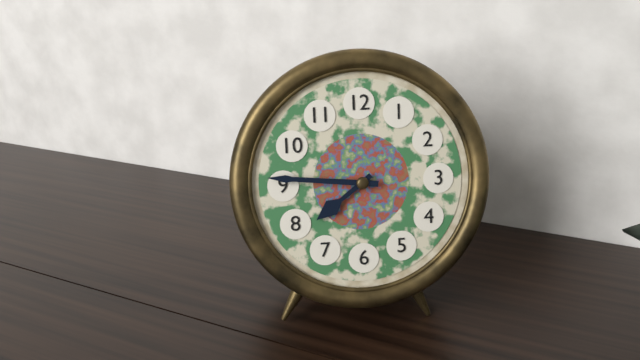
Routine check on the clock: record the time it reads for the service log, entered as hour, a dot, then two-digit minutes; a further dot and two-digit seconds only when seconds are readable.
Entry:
7.46
